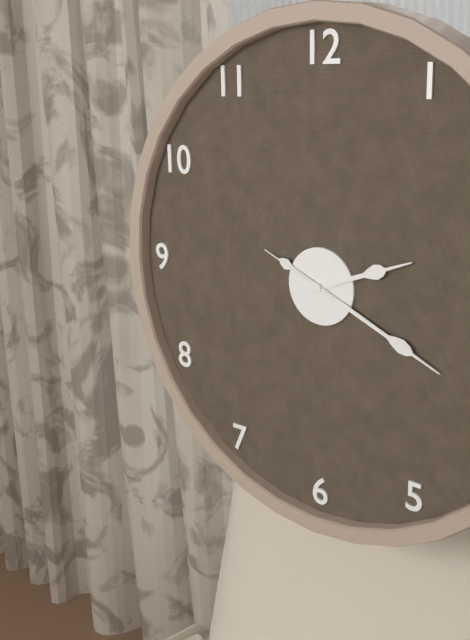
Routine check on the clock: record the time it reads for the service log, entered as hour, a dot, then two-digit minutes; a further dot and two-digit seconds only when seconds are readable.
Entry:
2.19.49
